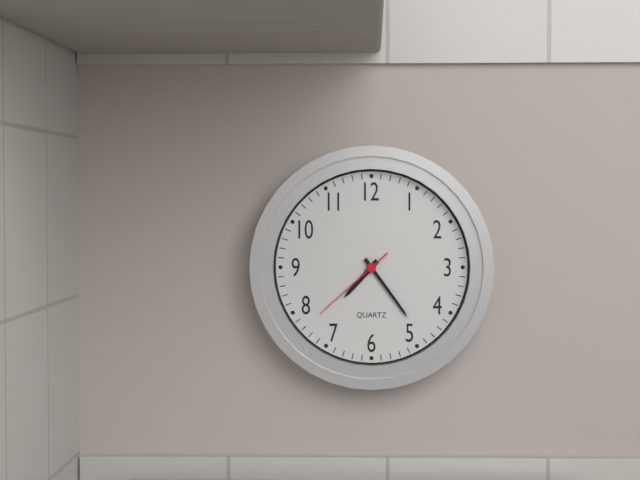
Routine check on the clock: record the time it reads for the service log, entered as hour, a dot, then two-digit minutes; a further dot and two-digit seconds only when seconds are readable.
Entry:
7.24.38
